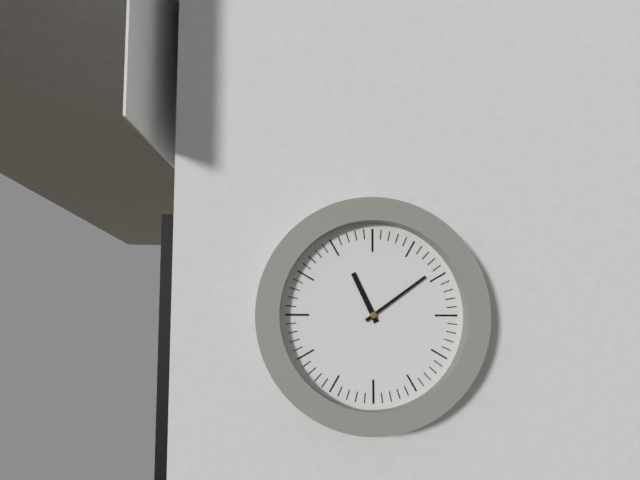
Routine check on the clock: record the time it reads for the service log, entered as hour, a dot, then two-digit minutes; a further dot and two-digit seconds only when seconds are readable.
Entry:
11.09
